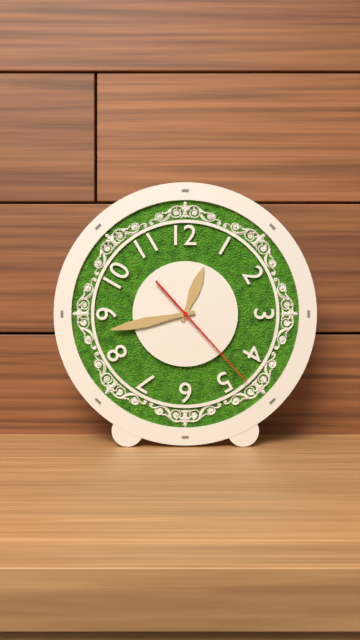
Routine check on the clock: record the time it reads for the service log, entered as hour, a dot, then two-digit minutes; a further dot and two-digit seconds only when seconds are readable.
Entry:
12.43.23
